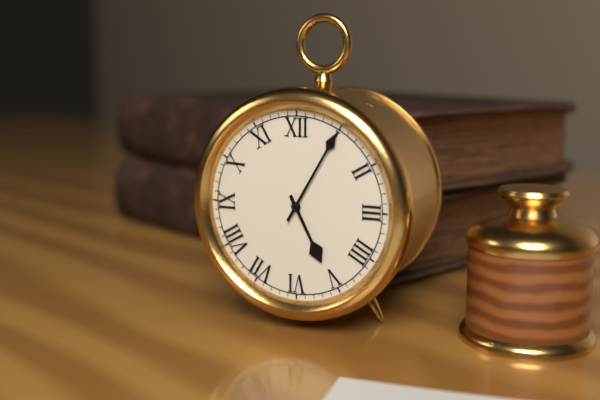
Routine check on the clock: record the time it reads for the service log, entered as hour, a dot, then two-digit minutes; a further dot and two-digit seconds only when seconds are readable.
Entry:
5.05
